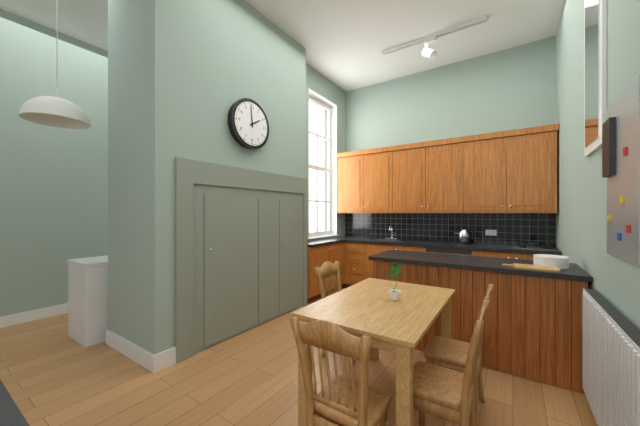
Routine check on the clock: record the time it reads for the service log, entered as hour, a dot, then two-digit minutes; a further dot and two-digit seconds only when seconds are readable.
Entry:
1.59
